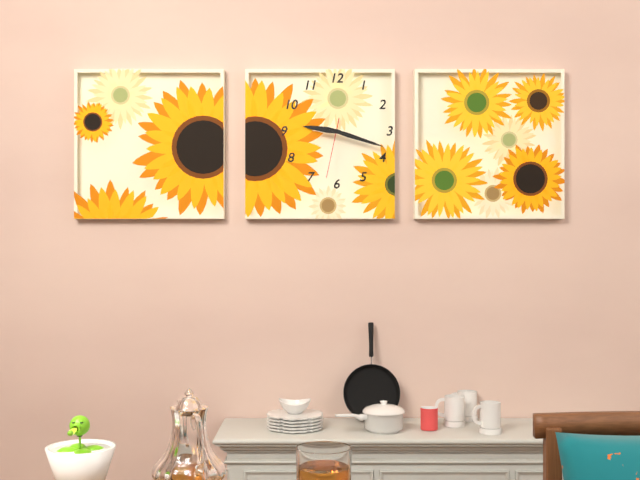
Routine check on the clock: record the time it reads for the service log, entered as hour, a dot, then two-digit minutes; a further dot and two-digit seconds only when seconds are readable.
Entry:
9.18.32
